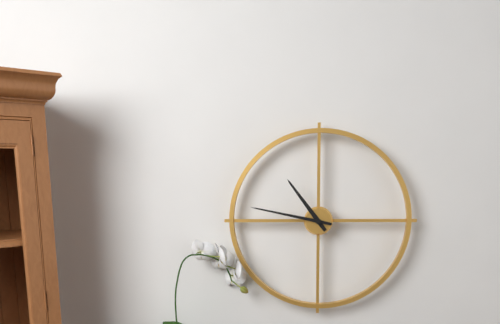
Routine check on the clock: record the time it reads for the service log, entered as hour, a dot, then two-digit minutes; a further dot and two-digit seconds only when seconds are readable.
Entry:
10.47
